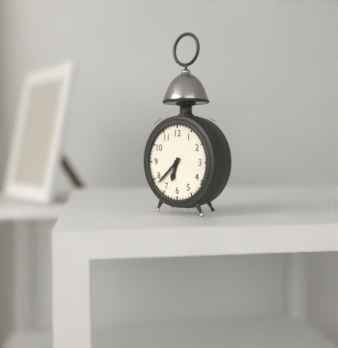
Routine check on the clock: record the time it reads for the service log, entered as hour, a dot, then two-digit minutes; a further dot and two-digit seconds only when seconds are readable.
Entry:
6.38
